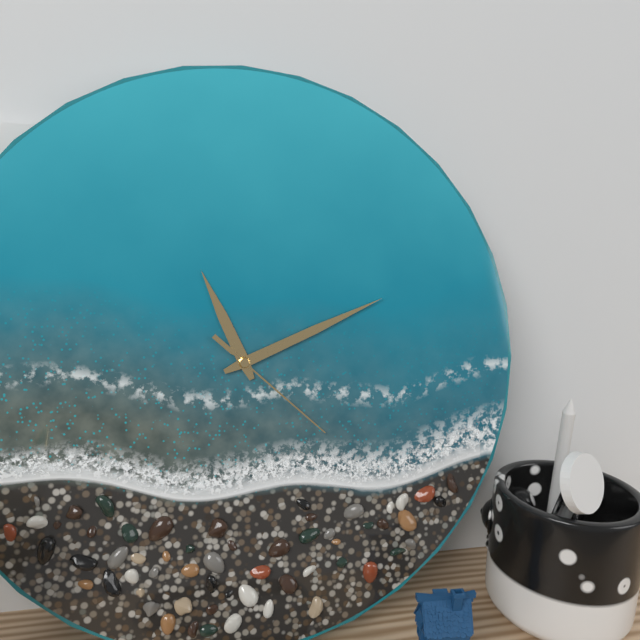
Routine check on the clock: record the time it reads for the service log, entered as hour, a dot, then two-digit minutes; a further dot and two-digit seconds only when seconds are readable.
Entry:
11.11.22
